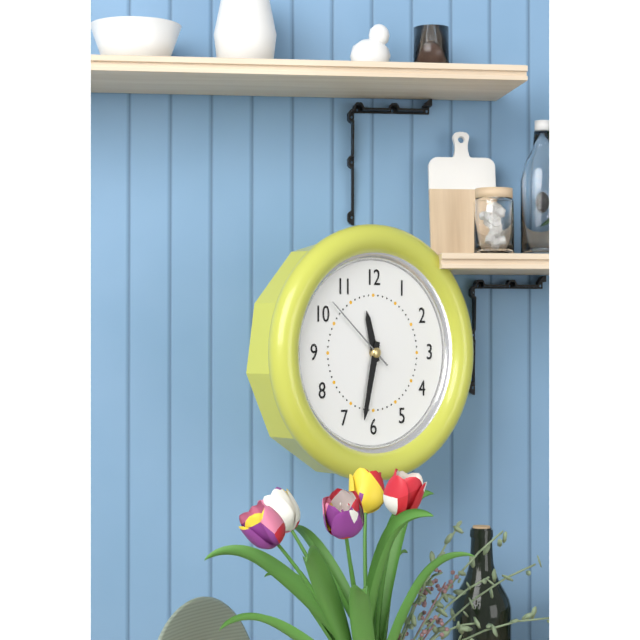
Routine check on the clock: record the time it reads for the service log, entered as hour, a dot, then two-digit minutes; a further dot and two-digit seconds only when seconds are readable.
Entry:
11.32.52
